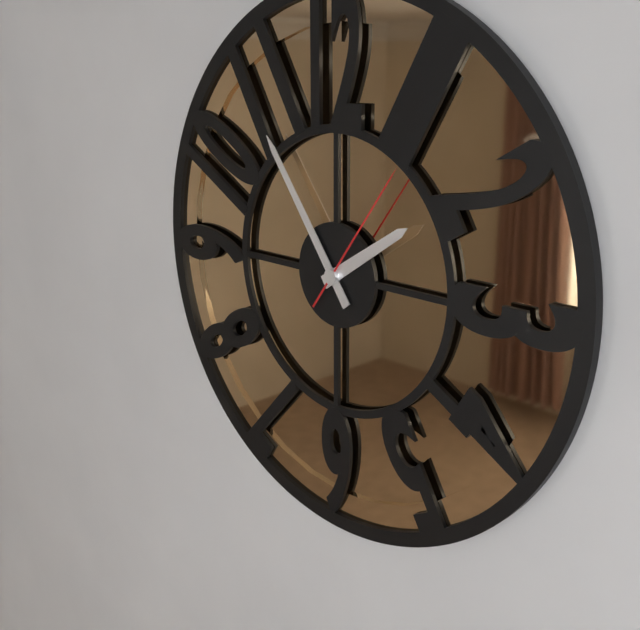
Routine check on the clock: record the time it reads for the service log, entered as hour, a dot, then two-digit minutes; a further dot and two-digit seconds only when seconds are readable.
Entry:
1.54.06
